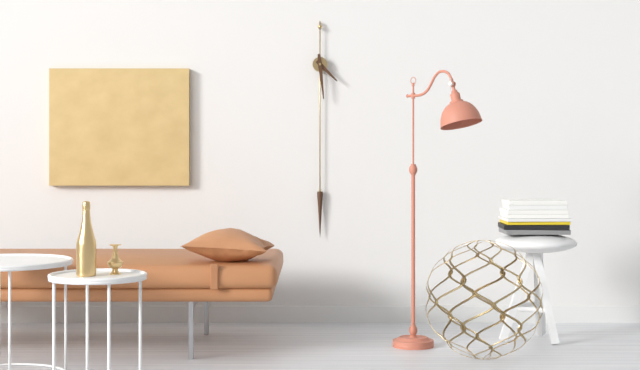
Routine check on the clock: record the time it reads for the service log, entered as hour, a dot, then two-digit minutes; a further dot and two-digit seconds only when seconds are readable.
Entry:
4.29
